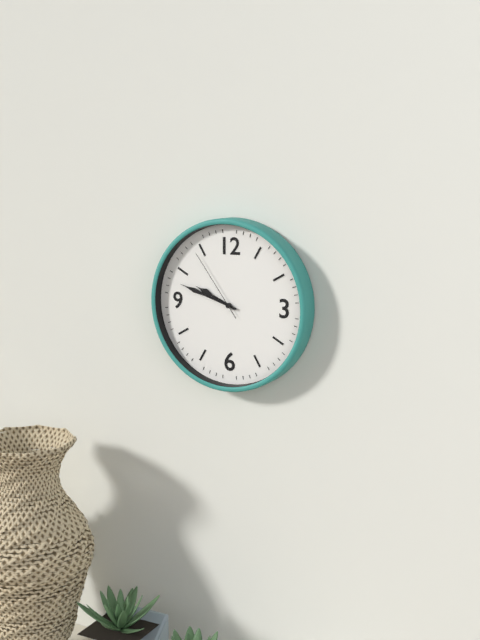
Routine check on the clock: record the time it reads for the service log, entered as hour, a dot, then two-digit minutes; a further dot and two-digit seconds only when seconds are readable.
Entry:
9.48.54
